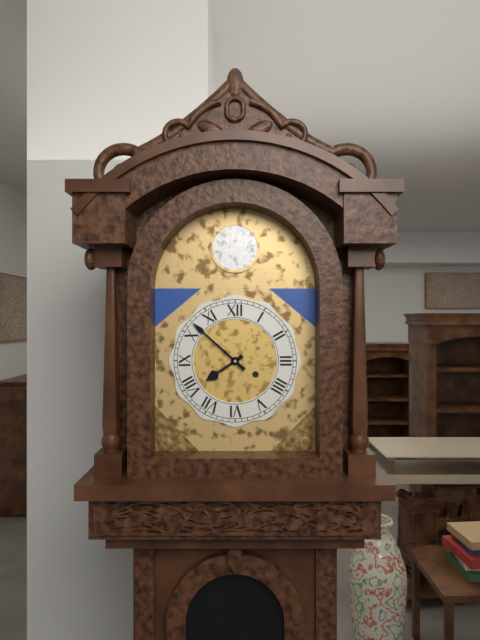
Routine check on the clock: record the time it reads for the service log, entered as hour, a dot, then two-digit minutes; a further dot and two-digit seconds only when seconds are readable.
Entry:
7.52
